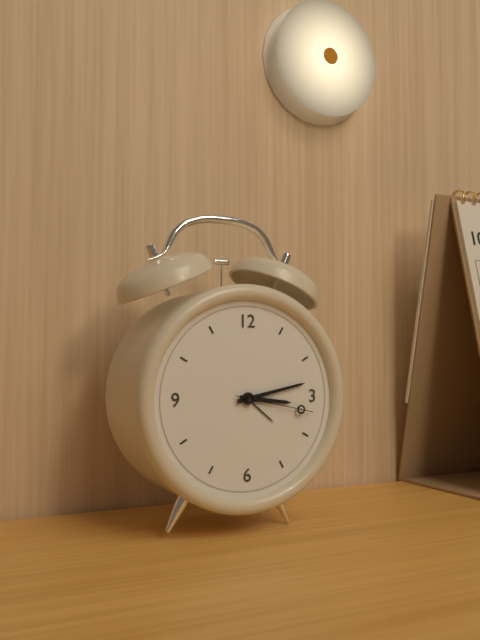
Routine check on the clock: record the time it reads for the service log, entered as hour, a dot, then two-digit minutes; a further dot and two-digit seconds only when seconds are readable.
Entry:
3.13.17
